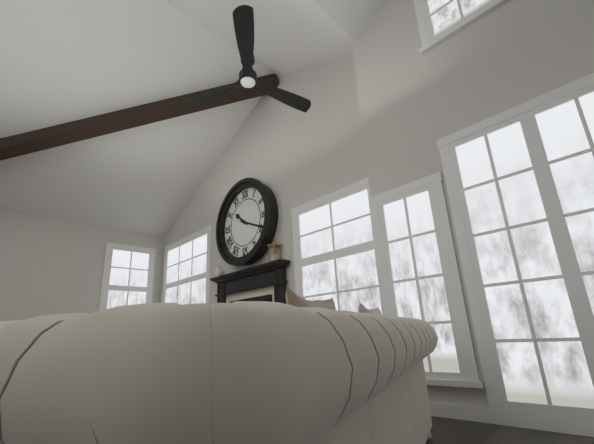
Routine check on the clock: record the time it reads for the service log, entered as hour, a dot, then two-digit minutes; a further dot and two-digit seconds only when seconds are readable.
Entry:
10.19
